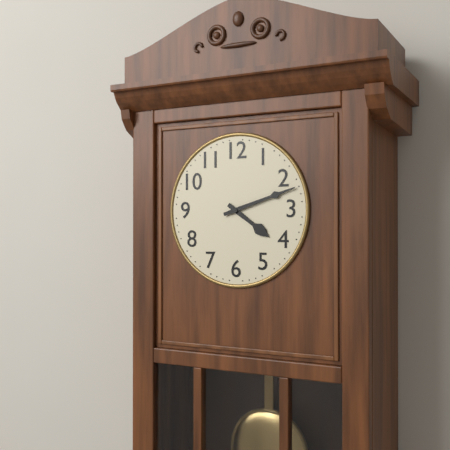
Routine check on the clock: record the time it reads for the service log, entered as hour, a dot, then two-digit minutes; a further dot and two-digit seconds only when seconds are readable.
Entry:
4.12
